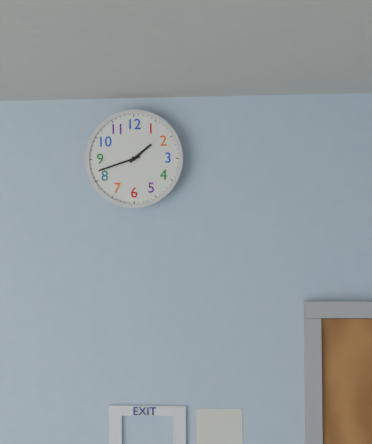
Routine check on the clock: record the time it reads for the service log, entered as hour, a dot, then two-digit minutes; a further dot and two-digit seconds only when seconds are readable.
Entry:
1.42
